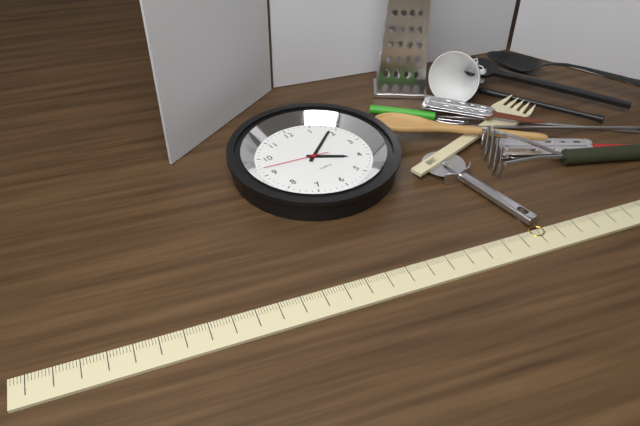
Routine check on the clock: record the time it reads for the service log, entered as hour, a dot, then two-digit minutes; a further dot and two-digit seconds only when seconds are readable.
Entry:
4.09.47
